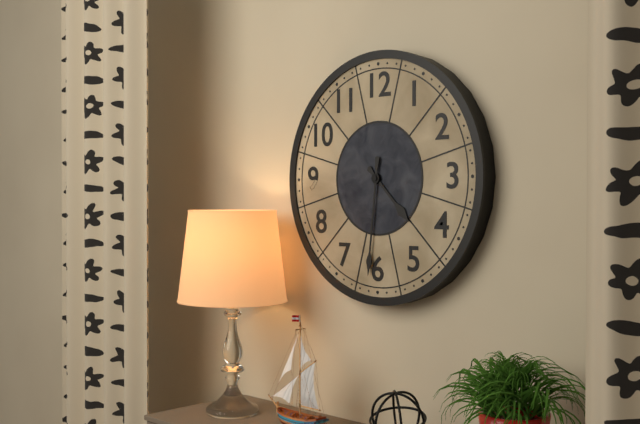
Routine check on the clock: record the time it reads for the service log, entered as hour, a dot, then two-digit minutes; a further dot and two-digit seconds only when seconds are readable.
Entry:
4.31
